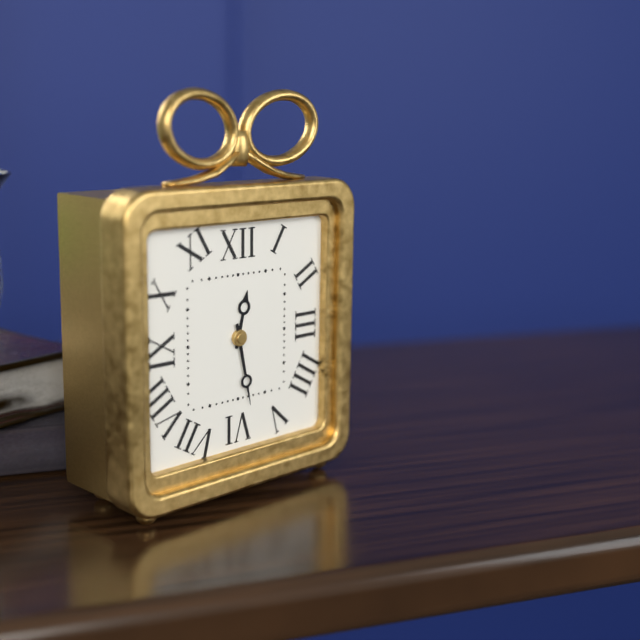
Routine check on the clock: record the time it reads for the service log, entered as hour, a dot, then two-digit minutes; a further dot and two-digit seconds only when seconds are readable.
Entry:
12.28
